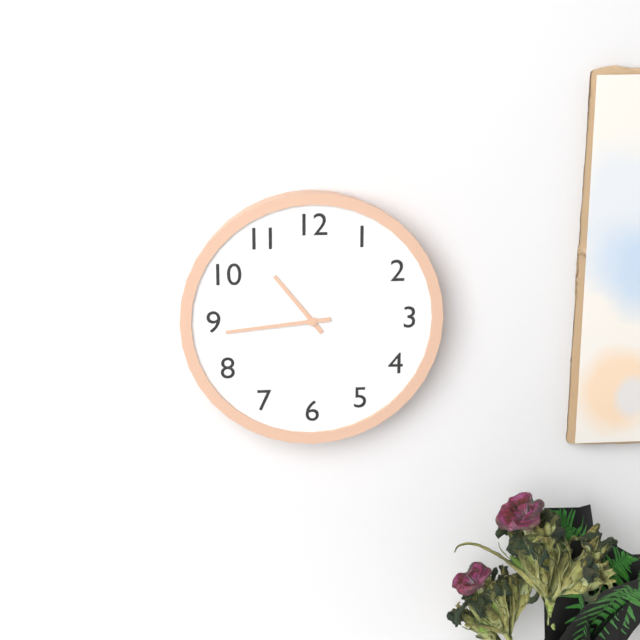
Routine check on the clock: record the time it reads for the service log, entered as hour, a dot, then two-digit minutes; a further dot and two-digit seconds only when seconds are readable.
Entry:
10.44
